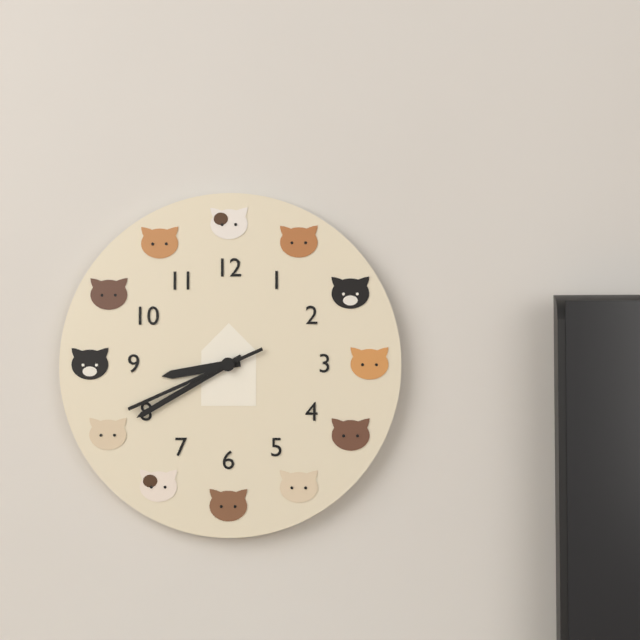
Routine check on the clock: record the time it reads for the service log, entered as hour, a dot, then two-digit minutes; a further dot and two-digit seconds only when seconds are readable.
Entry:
8.40.41
